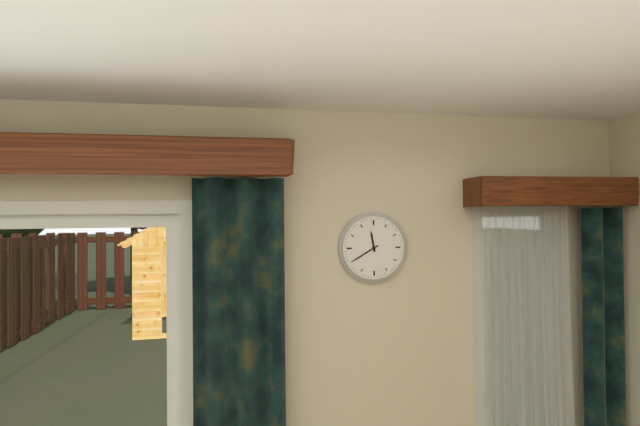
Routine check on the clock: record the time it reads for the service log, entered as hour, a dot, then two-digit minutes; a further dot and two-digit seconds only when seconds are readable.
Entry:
11.40
